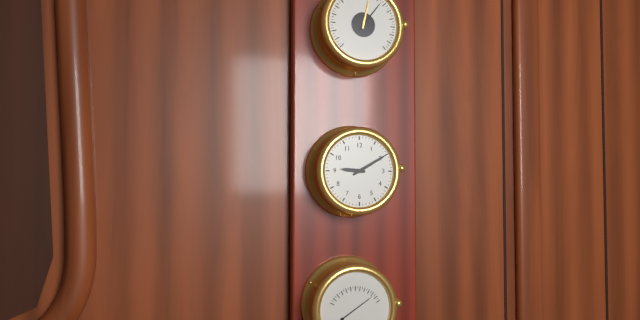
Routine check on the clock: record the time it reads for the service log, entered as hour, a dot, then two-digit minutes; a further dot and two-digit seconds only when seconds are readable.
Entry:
9.10
